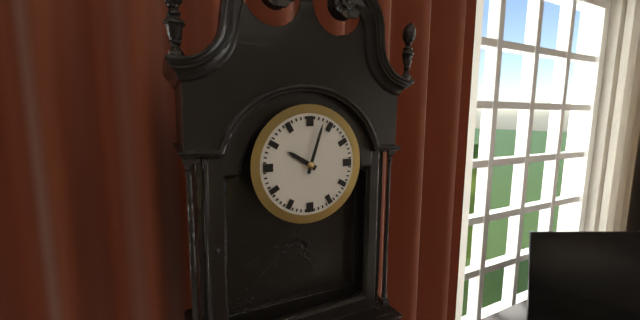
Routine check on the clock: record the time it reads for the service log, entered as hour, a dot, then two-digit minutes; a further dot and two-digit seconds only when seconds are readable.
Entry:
10.03
